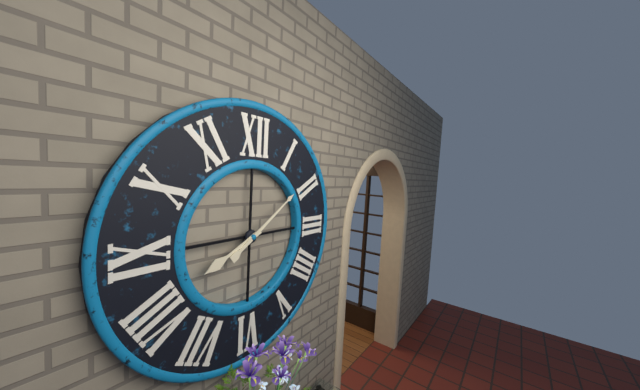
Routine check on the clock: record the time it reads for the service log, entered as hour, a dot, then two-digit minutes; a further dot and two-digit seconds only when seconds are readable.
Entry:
8.09
